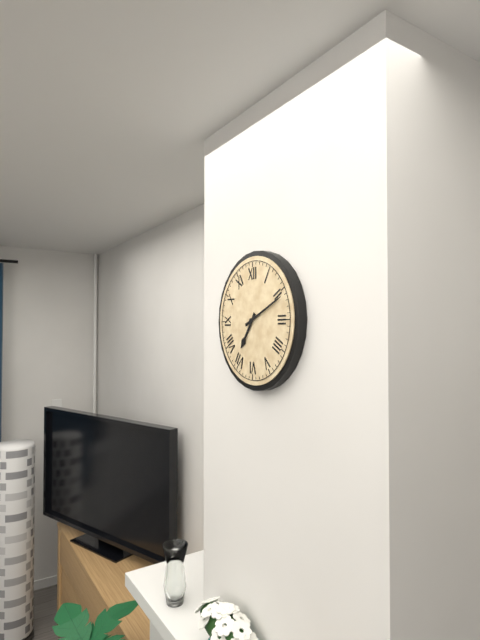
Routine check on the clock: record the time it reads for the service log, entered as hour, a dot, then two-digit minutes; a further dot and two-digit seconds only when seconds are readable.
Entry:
7.11
